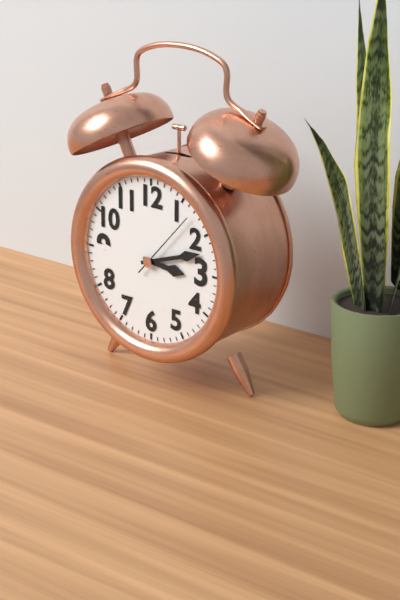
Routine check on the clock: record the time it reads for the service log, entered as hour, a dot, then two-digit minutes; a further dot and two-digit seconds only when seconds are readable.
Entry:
3.12.07
